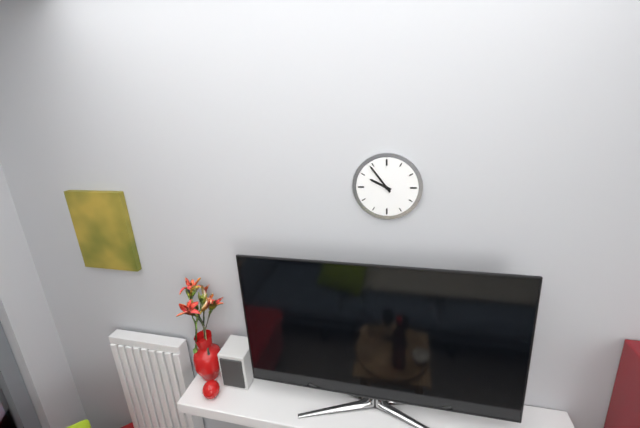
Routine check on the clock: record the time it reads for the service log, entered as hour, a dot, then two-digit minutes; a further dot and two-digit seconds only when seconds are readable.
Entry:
9.54
